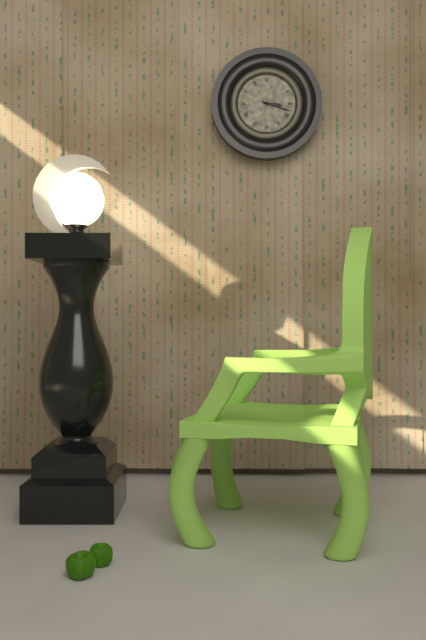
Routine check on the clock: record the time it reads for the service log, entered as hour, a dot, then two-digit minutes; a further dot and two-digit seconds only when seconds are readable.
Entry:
3.18
